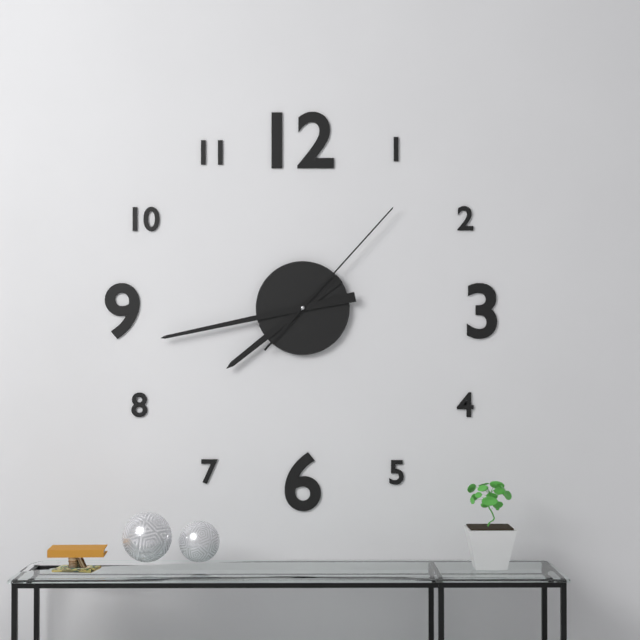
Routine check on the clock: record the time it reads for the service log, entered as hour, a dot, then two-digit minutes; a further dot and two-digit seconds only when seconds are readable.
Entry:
7.43.07
